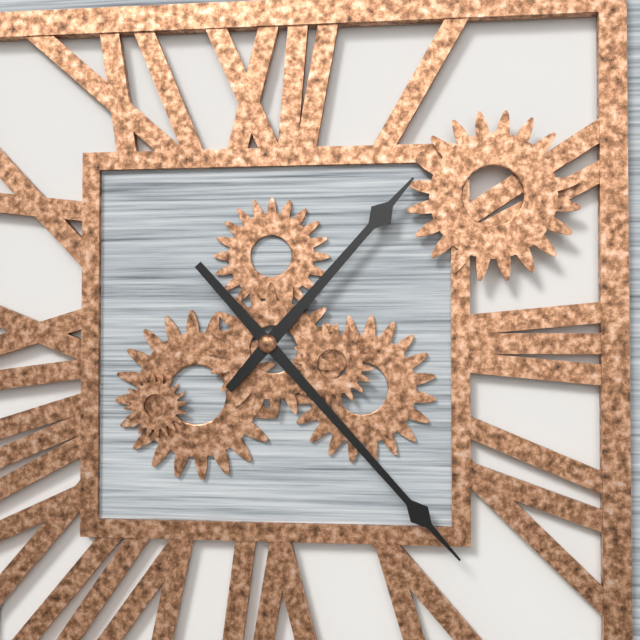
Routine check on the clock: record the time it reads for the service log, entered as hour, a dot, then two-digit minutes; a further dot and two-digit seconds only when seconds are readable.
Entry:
1.23
